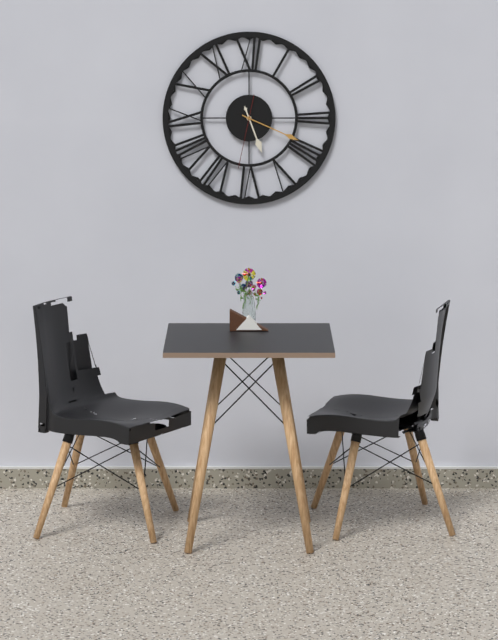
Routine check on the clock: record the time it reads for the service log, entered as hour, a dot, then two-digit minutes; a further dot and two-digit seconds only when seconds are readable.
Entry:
5.19.32
